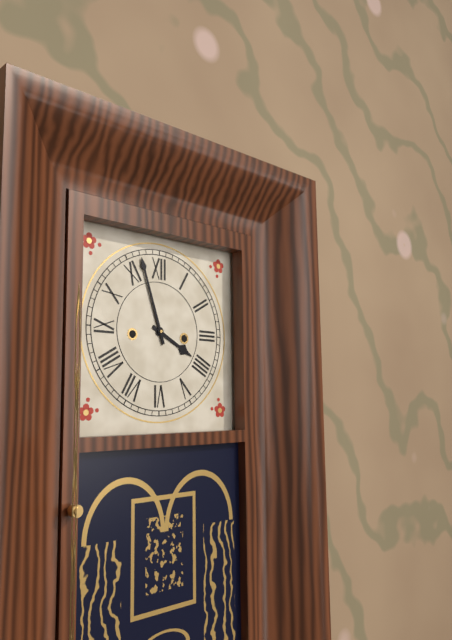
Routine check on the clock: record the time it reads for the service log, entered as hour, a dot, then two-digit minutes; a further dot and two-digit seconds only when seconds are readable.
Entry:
3.57
